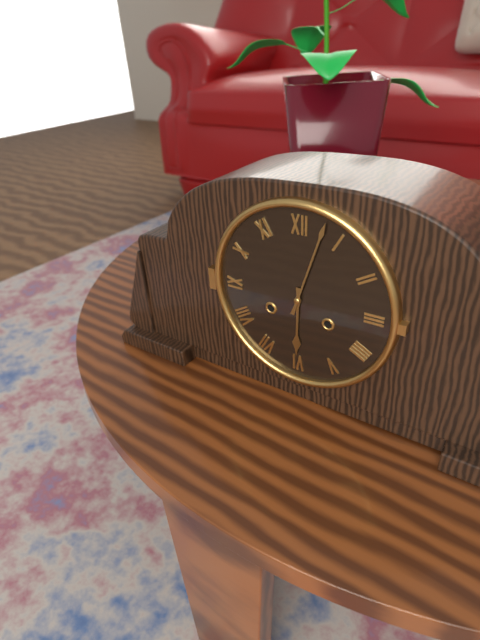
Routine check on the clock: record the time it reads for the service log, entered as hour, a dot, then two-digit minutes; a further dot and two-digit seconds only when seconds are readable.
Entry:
6.03
